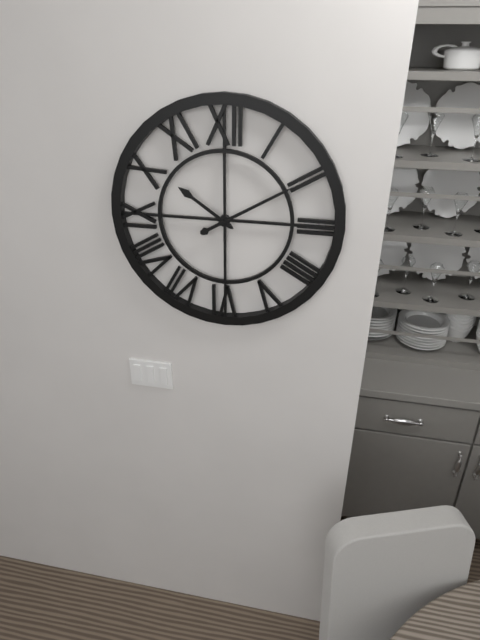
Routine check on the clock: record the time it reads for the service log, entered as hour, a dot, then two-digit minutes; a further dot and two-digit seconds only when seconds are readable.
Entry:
10.10
